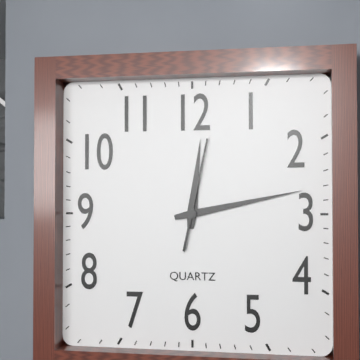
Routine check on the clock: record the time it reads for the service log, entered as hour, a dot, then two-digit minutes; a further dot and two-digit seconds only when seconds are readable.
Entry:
12.13.02
